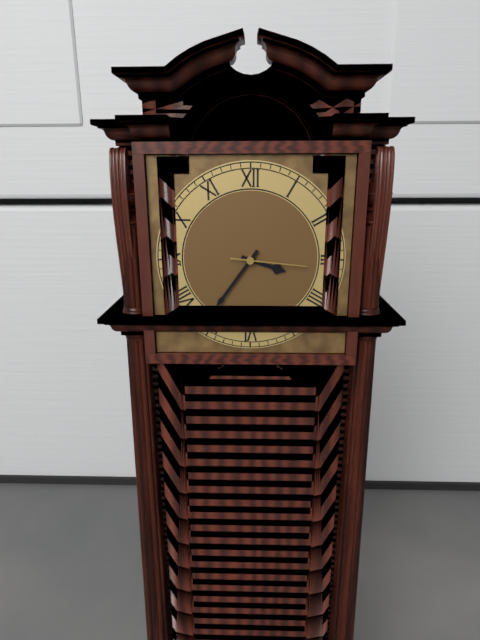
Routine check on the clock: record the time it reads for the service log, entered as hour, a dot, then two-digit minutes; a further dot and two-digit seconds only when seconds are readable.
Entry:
3.36.16
